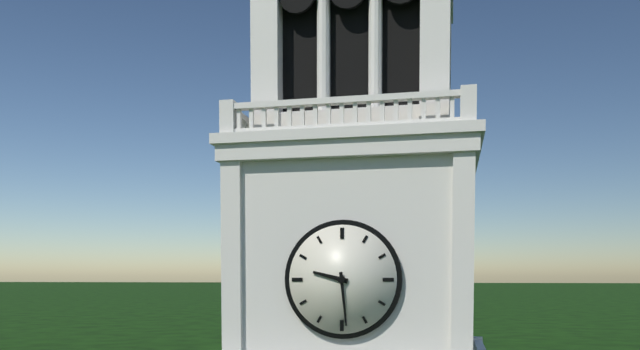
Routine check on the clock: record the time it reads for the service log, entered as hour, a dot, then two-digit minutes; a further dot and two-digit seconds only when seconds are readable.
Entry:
9.29
